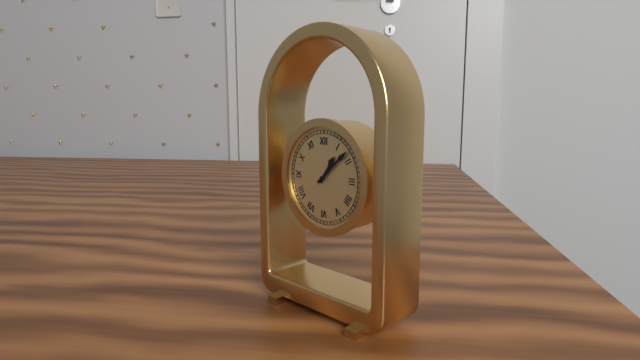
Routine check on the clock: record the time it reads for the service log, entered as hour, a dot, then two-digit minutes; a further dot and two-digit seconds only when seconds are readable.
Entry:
1.08
